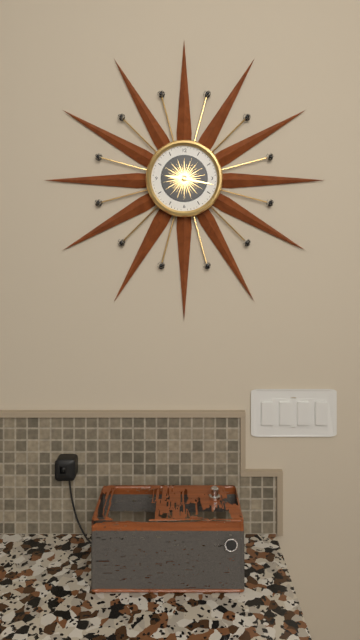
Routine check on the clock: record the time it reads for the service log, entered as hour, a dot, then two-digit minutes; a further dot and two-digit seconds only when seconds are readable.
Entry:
9.17
